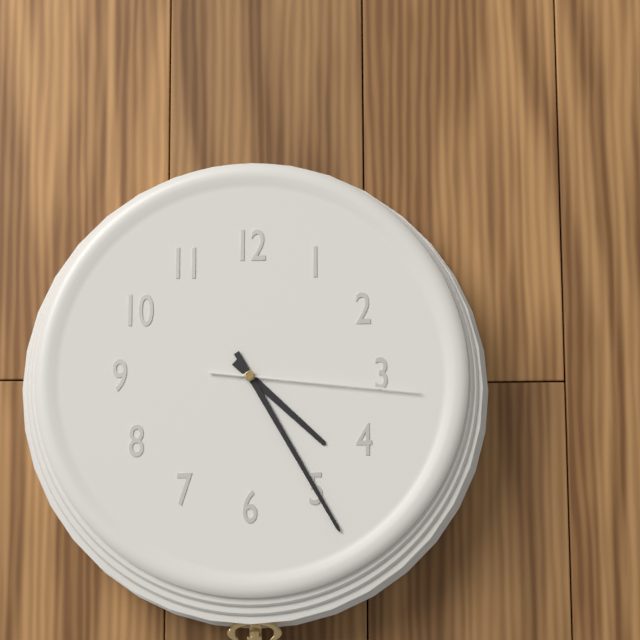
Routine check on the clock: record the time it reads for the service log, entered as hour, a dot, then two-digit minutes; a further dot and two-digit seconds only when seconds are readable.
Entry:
4.25.16
